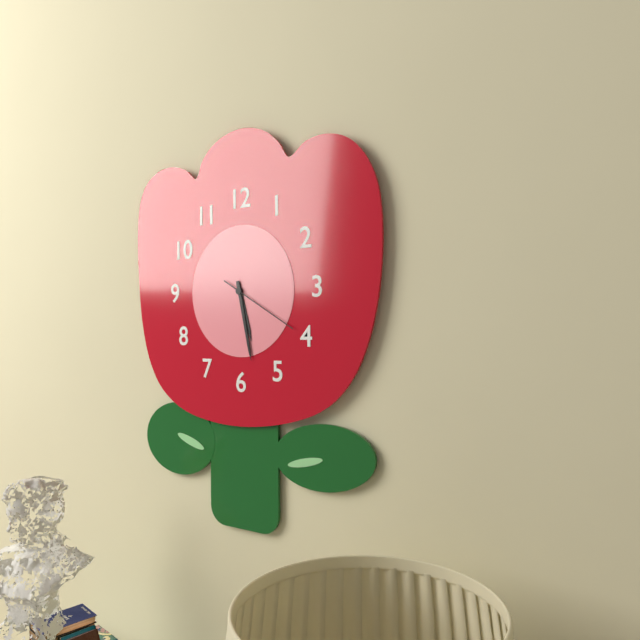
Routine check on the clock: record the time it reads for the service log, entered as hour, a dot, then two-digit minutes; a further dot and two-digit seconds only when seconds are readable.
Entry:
5.28.20
